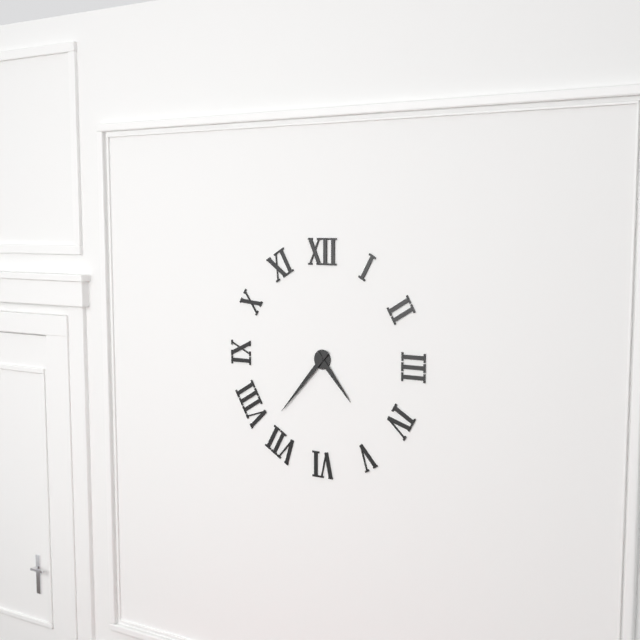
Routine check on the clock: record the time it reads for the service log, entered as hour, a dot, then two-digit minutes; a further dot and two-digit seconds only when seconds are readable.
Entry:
4.37
